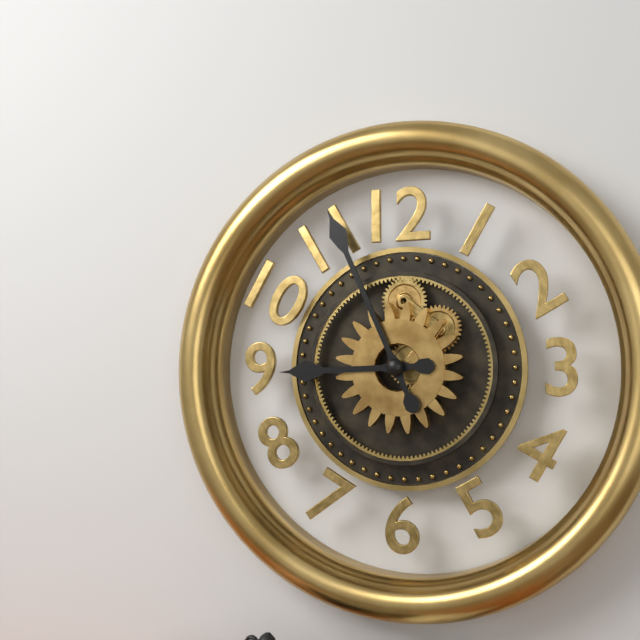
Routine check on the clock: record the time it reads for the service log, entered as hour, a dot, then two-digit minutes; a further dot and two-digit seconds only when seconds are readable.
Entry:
8.56
